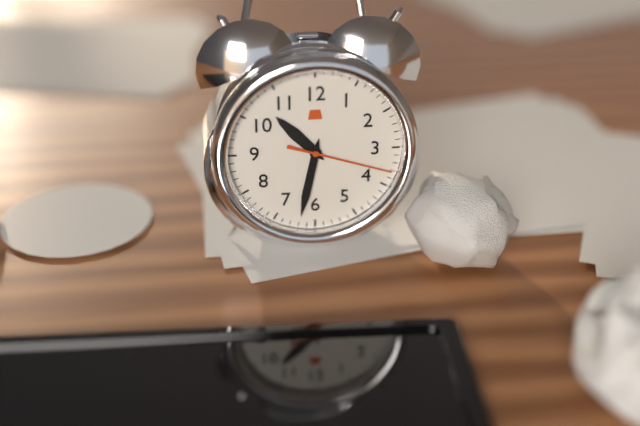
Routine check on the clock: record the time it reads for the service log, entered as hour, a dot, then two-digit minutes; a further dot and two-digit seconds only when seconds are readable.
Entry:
10.32.18
